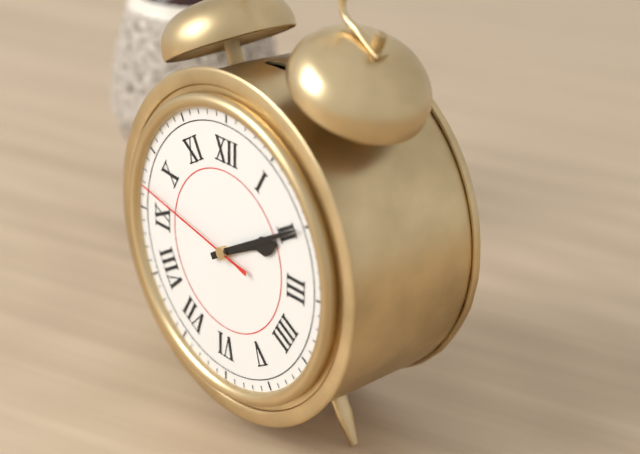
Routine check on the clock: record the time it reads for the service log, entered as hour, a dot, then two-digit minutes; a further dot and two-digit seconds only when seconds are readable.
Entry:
2.10.47
